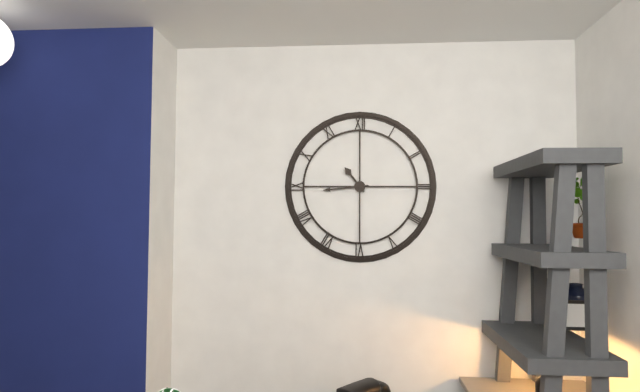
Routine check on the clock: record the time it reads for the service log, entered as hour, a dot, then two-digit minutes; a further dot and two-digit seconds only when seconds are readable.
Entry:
10.44
